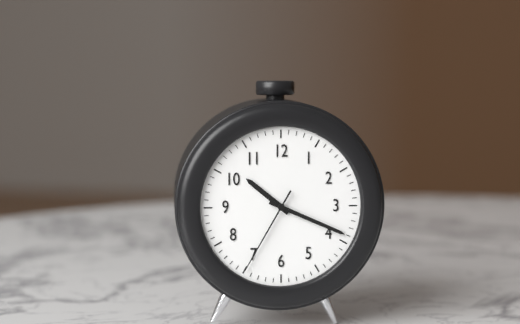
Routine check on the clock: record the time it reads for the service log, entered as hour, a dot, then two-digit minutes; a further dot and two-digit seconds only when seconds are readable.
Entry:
10.19.35
